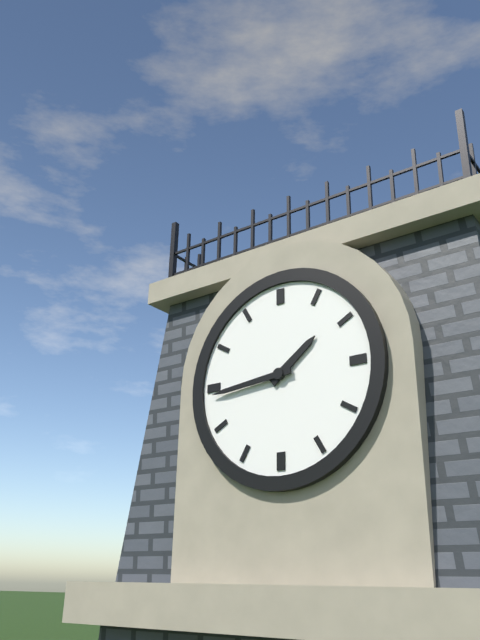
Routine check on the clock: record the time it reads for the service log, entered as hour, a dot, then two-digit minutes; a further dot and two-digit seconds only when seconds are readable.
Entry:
1.44
